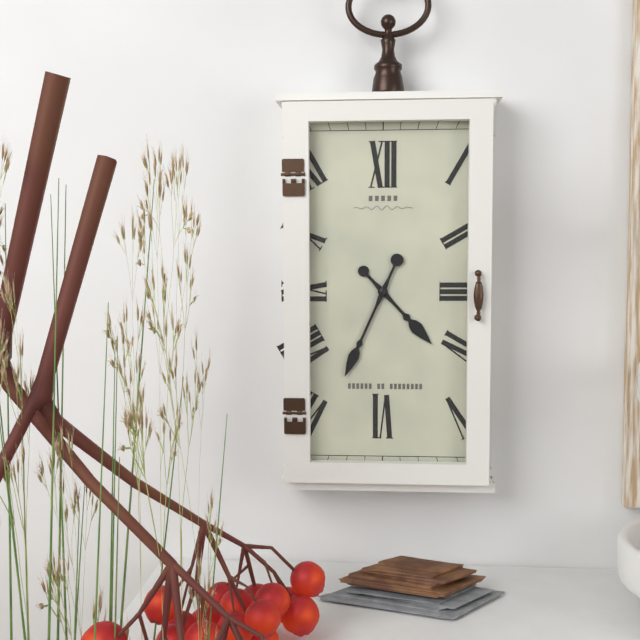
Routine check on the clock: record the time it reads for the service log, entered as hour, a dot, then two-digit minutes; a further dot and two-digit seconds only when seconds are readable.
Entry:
4.34
